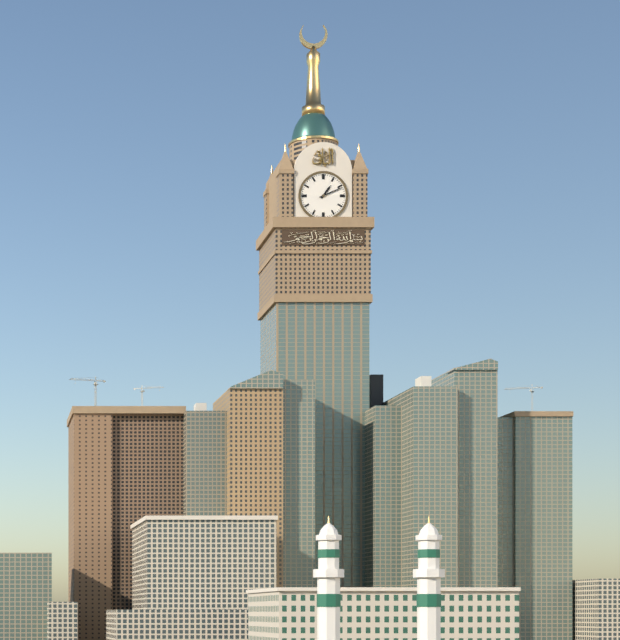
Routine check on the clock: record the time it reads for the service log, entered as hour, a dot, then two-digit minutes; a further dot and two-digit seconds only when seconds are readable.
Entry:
1.11
